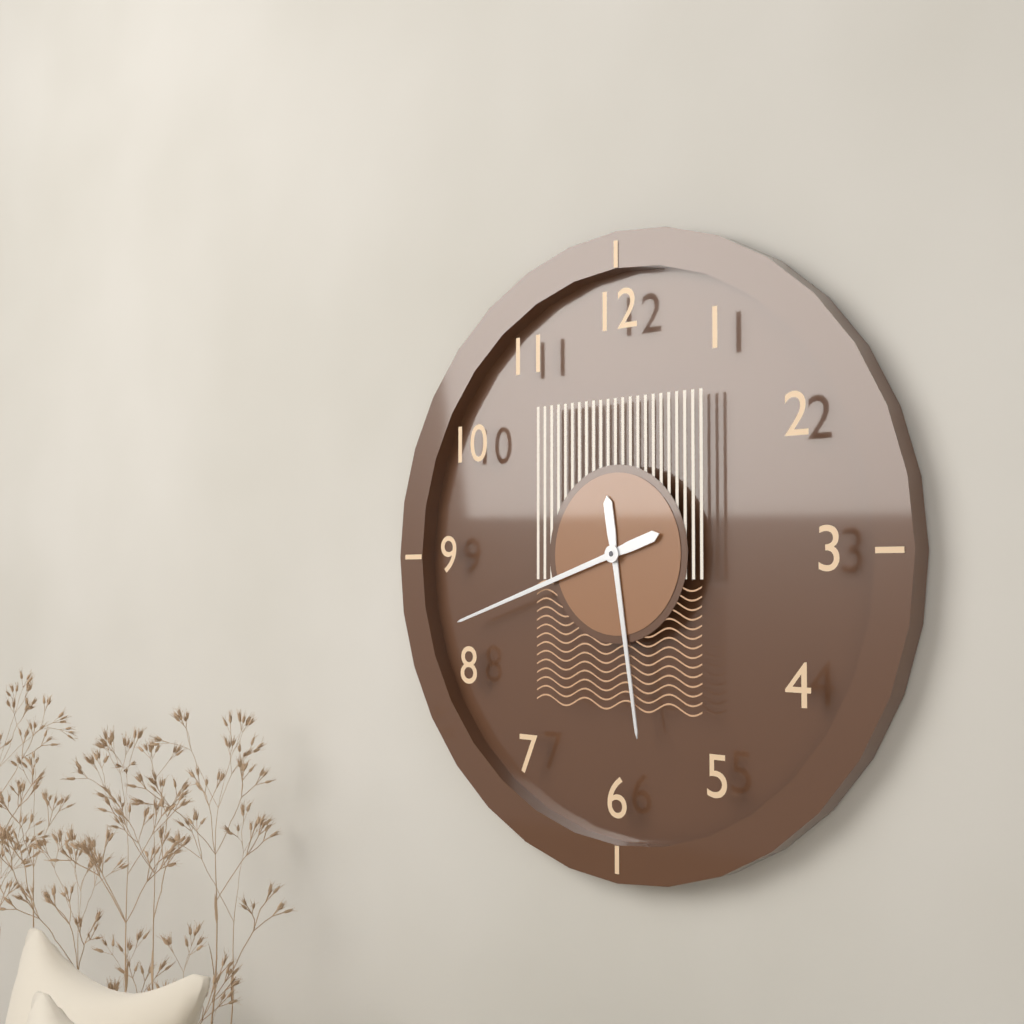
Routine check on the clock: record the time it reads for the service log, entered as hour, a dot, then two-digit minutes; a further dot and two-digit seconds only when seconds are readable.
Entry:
5.42
